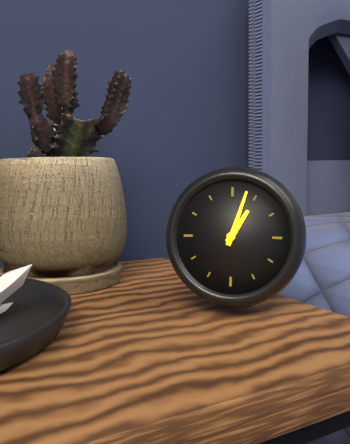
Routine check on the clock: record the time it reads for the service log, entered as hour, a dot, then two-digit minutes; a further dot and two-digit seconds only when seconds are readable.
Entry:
1.03
